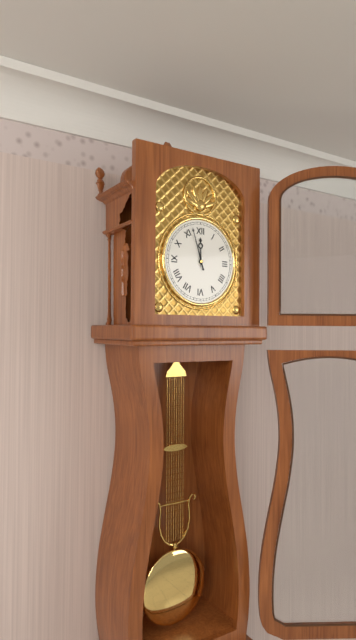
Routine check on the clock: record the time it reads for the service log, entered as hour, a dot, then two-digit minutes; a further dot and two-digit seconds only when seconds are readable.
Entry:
11.57
